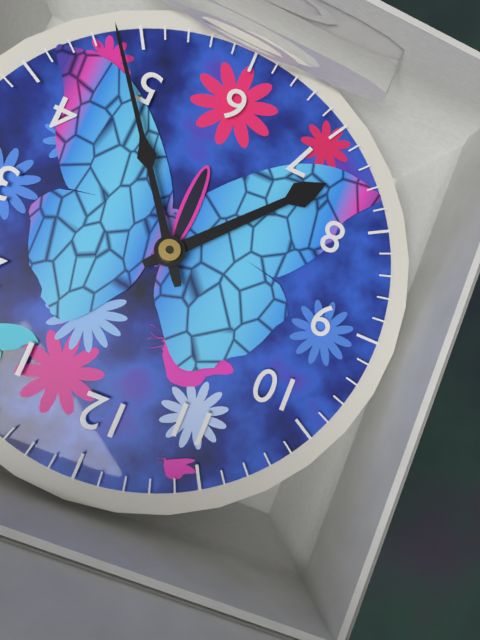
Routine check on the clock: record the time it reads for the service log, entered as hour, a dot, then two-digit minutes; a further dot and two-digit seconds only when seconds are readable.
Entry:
7.24
